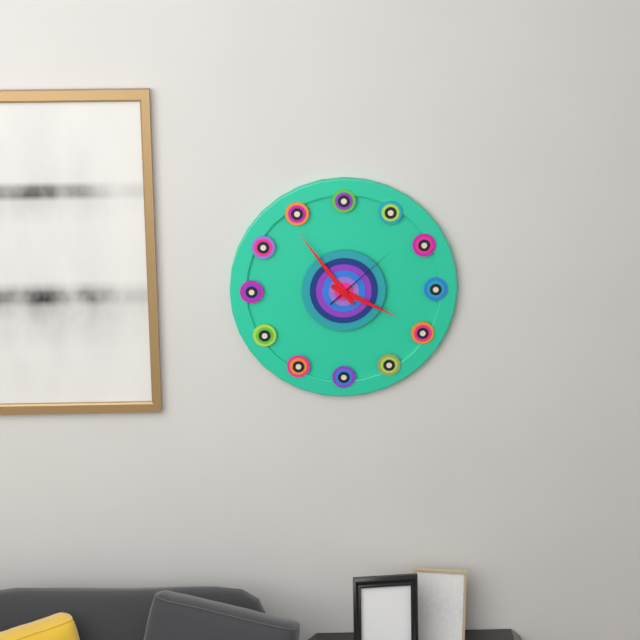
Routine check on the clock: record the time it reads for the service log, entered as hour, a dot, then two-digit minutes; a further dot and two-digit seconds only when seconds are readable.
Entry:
3.54.08
